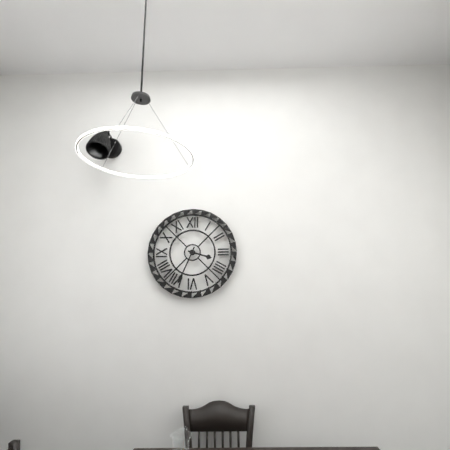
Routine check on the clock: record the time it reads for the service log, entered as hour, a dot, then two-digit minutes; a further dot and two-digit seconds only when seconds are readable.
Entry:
3.34
